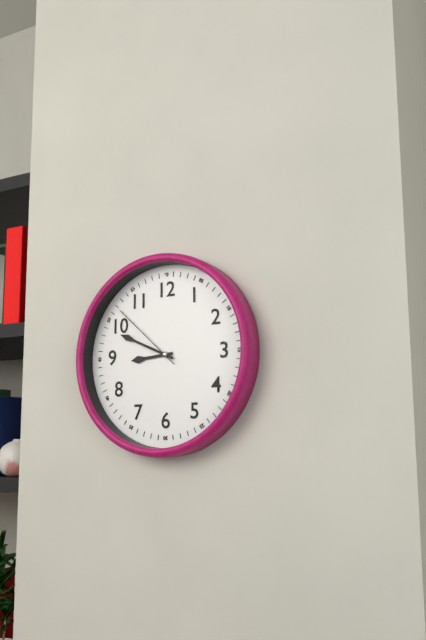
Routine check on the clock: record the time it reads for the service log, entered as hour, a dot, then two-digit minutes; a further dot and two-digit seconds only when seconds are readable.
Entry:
8.49.52
